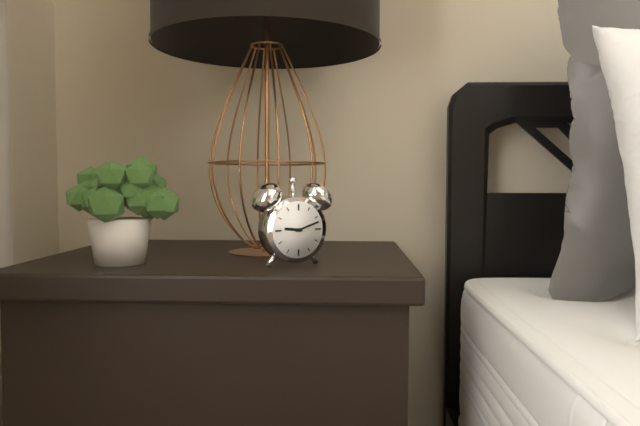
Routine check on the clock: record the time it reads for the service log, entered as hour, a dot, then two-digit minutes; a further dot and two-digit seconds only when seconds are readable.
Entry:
9.12
